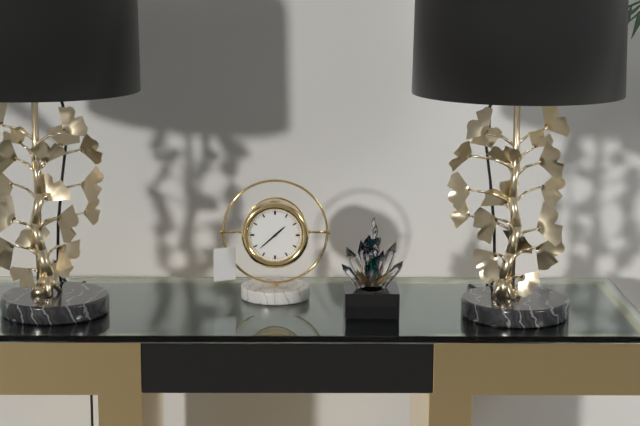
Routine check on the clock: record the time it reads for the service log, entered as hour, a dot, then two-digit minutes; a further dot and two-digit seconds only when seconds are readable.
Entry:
1.38
